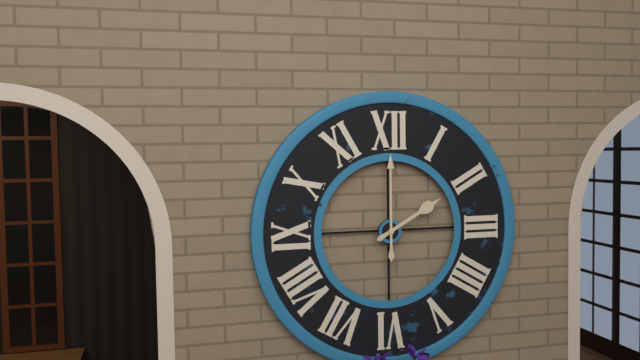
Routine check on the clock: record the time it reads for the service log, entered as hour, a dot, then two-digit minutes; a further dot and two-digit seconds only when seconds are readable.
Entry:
2.00
